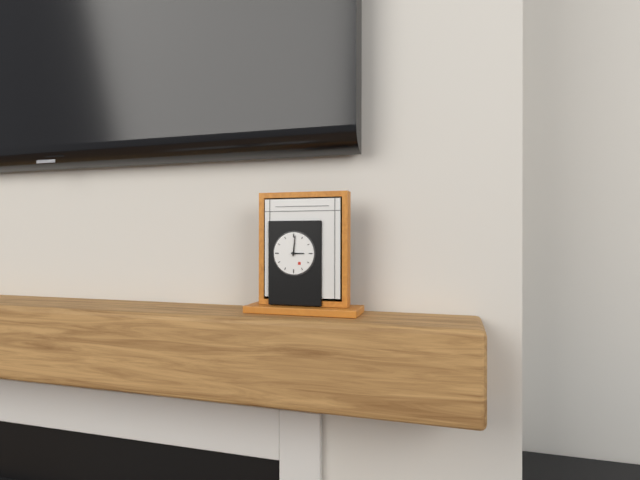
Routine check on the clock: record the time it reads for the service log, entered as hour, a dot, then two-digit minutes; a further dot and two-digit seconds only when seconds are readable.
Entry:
3.01
